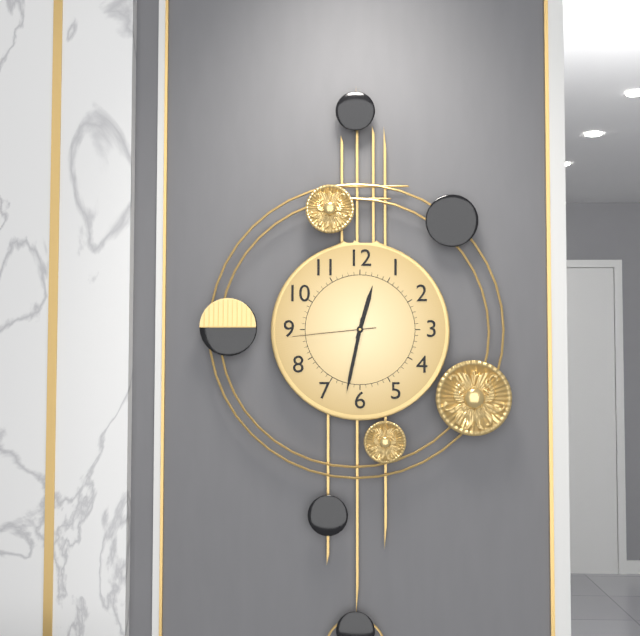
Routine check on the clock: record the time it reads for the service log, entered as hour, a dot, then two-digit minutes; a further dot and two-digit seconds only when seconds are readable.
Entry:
12.32.44
